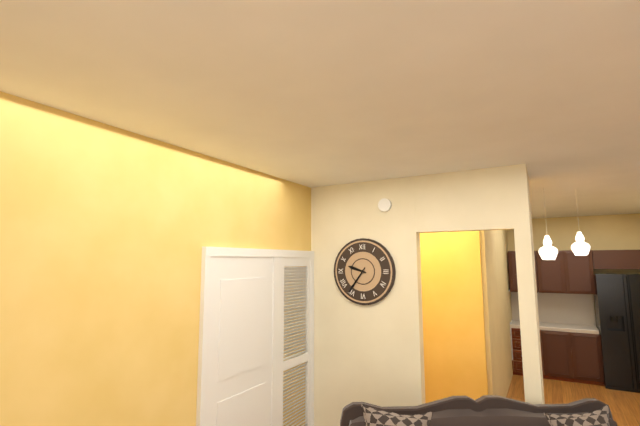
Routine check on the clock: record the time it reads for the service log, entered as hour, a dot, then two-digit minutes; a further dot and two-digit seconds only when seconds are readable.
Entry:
9.36
